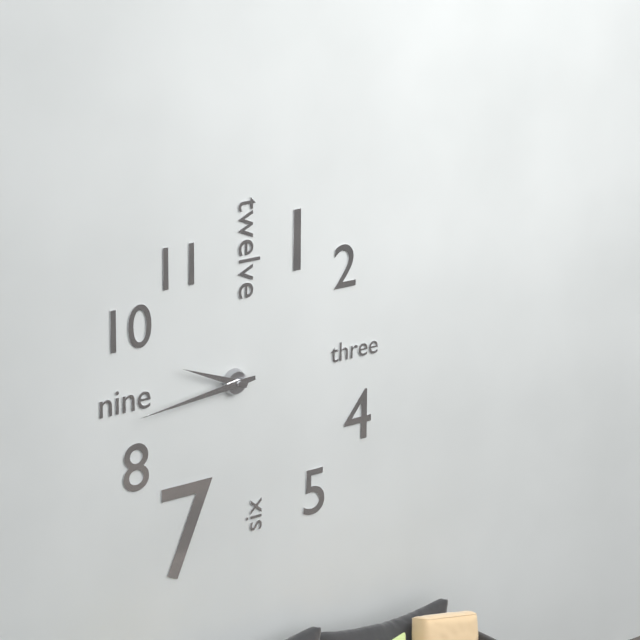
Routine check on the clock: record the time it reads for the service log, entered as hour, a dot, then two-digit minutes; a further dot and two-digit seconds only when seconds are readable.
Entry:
9.44
